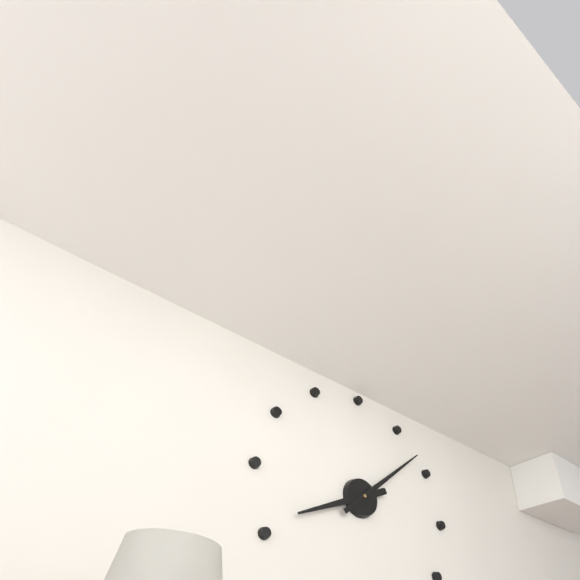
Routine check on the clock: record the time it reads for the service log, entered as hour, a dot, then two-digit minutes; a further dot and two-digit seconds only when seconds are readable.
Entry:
8.08
